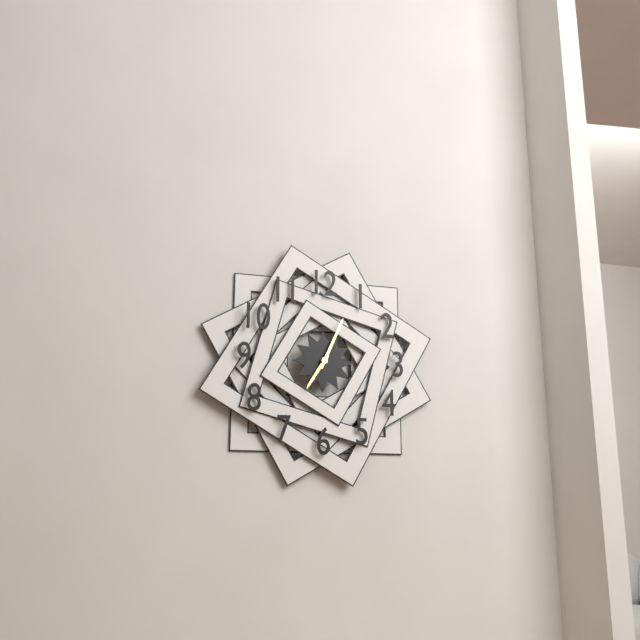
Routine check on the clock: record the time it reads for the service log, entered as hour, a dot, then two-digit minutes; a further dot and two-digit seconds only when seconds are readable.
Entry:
7.04
